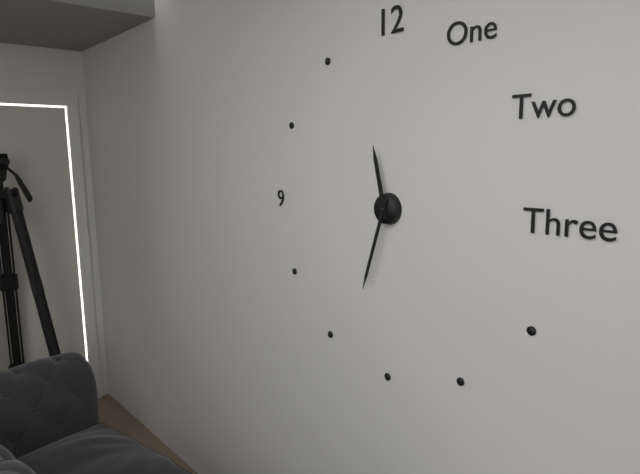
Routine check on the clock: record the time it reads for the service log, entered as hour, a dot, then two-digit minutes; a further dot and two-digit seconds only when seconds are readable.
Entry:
11.33
